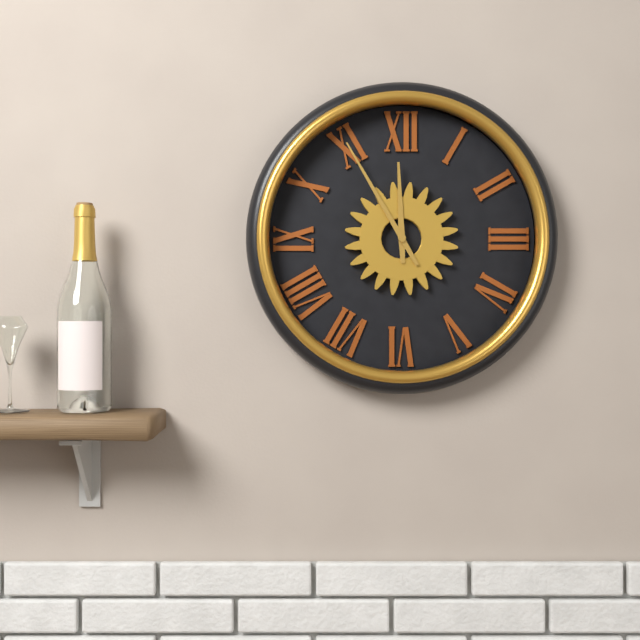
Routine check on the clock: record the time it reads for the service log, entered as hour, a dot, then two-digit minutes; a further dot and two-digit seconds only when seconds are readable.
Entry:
11.55
